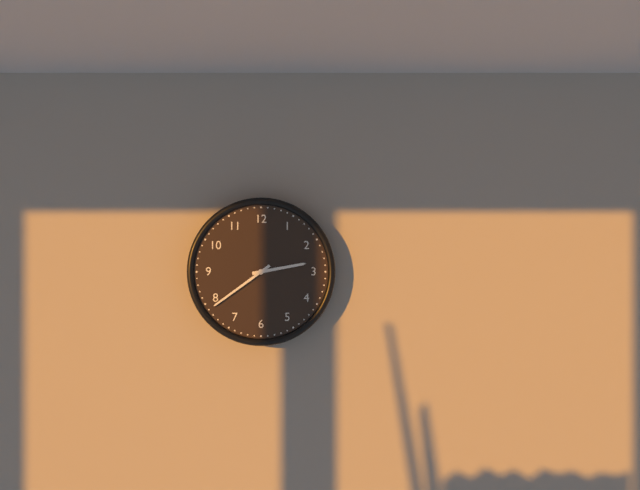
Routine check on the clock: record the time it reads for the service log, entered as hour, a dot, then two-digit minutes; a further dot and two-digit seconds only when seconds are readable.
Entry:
2.39
